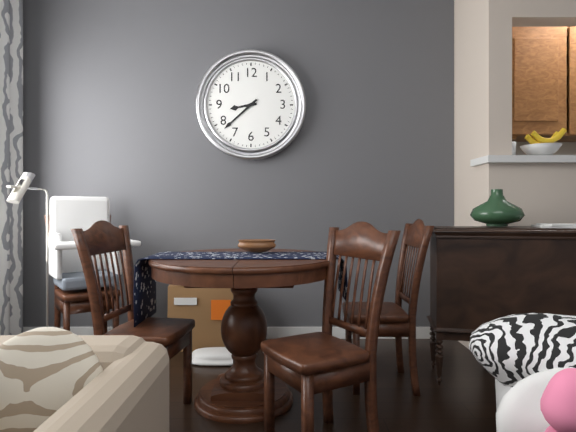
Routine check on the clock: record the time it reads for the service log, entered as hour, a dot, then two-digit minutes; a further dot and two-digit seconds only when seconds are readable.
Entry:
8.38
